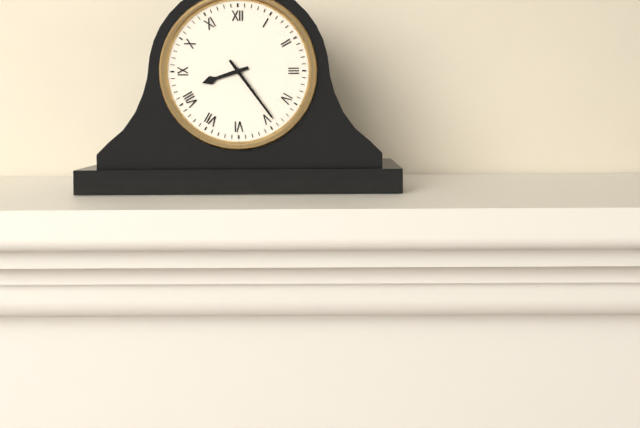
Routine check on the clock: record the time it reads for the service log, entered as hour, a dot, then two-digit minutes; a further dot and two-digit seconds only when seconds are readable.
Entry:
8.24
